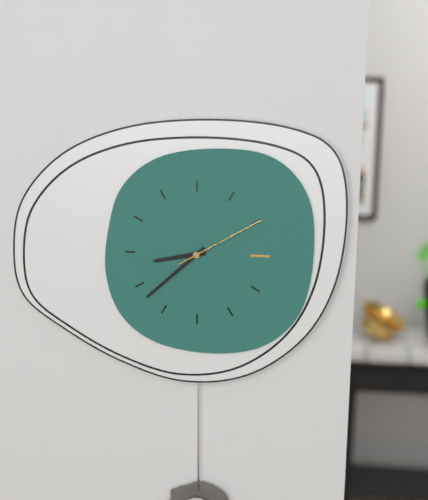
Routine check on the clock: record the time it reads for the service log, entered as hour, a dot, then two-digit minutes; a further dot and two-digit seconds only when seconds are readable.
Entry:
8.38.10
